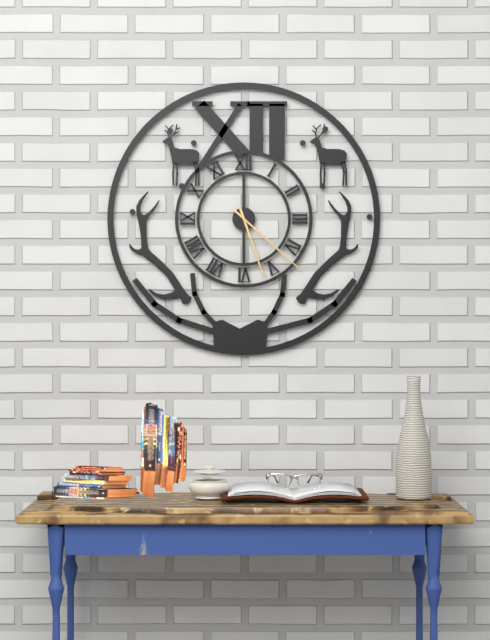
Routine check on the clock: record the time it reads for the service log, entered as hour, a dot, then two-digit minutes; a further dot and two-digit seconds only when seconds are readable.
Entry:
5.22
